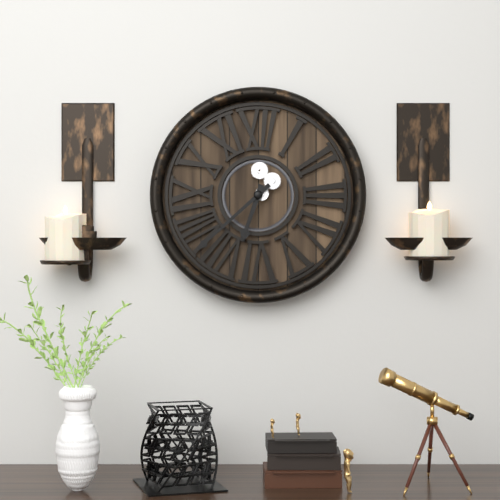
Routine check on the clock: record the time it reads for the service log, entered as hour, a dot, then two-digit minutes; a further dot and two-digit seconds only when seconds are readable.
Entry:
6.38
